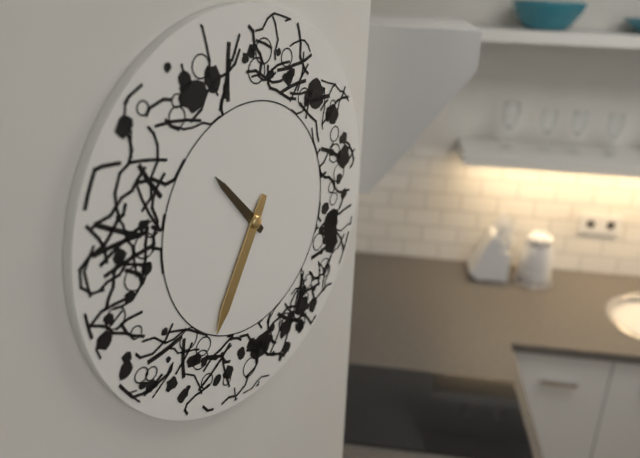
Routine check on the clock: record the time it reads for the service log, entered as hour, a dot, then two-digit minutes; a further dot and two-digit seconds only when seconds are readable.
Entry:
10.35
